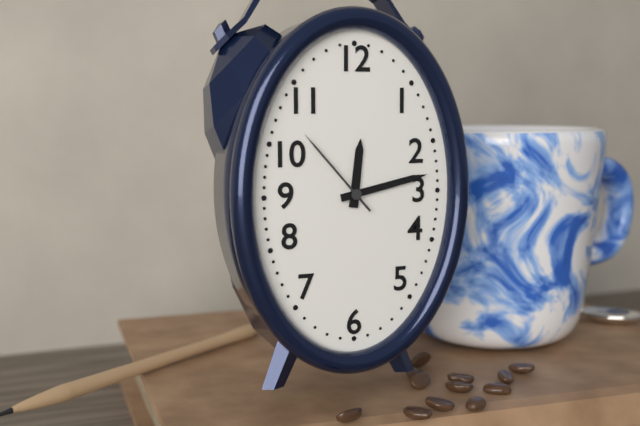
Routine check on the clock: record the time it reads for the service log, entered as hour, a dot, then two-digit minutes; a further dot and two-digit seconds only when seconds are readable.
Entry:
12.13.53
